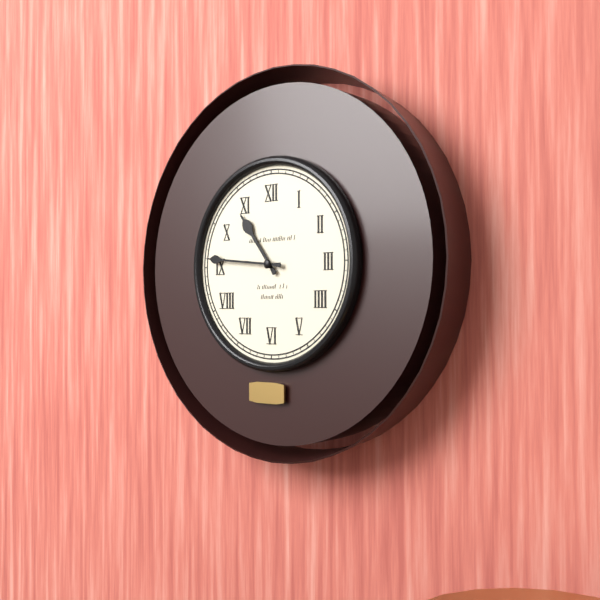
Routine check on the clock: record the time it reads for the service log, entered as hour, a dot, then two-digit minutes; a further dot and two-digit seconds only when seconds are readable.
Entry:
10.46
